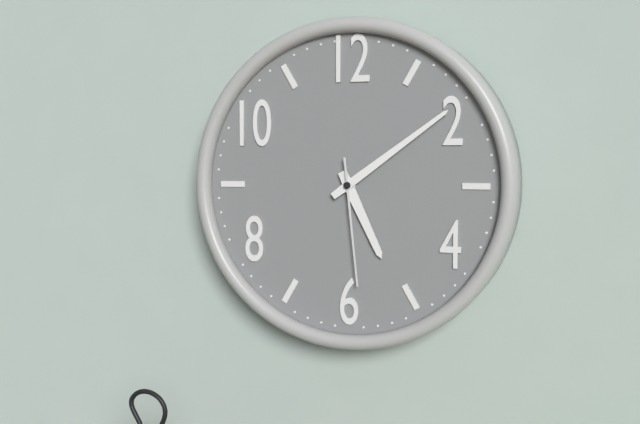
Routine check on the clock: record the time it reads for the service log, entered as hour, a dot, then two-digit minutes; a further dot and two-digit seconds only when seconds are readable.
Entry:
5.09.29
